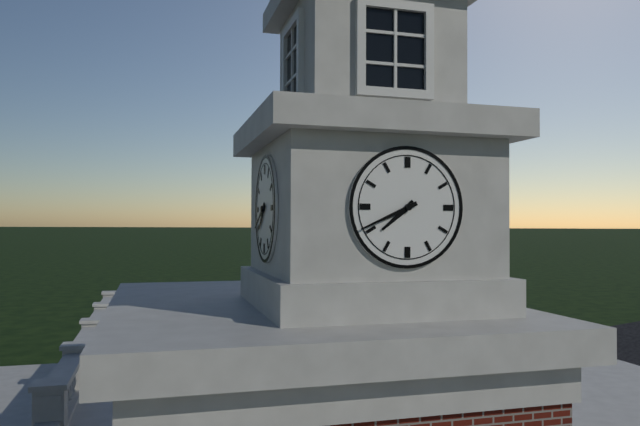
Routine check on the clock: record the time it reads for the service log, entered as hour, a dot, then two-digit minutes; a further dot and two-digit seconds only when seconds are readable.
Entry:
7.41
